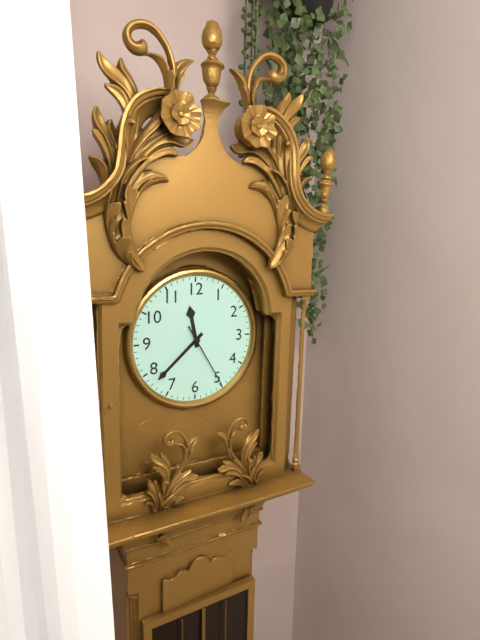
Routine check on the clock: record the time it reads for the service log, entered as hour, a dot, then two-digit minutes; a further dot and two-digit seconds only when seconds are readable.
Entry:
11.38.25
